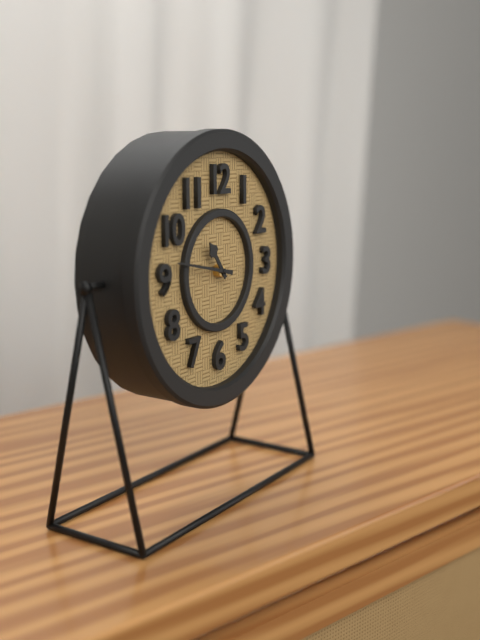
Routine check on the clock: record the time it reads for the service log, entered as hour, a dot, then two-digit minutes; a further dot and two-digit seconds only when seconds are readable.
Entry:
10.47
